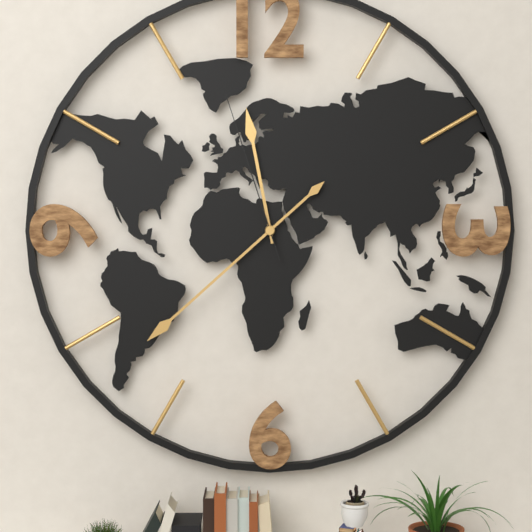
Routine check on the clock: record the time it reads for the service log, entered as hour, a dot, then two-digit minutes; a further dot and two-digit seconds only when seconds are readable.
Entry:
11.38.57
